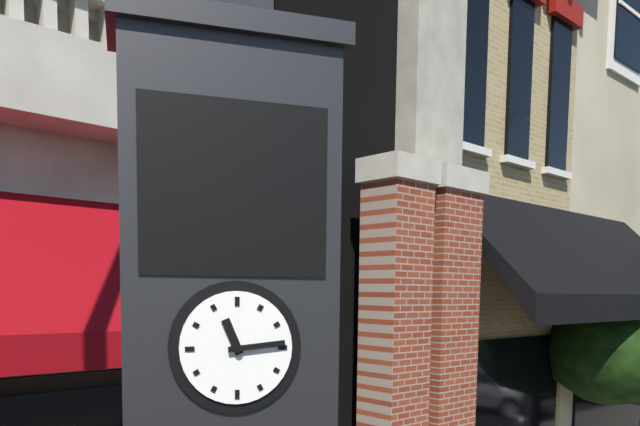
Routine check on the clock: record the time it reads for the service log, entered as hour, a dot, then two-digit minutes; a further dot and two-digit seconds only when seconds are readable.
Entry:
11.14
